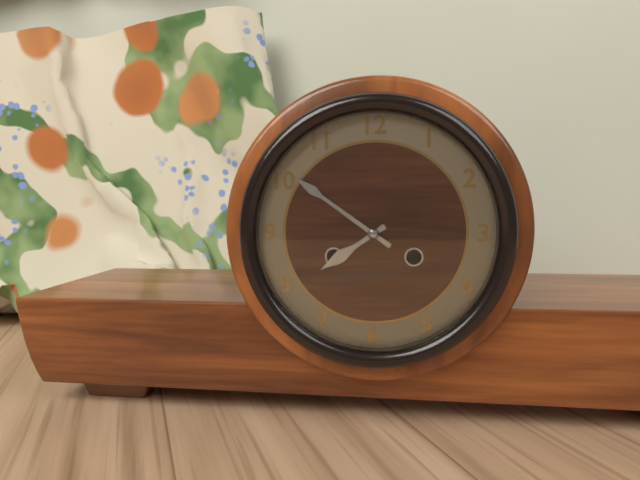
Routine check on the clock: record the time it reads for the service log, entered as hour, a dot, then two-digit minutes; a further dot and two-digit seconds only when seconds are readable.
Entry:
7.51
